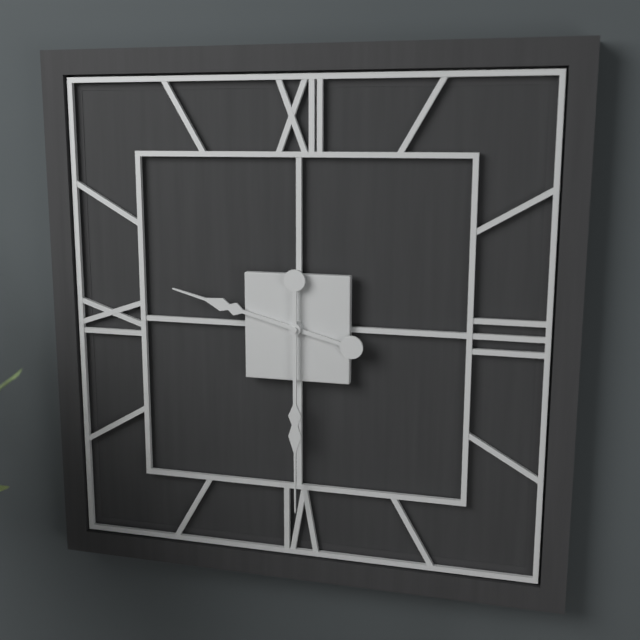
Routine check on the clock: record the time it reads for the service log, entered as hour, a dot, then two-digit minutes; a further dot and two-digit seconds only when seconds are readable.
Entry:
9.30
